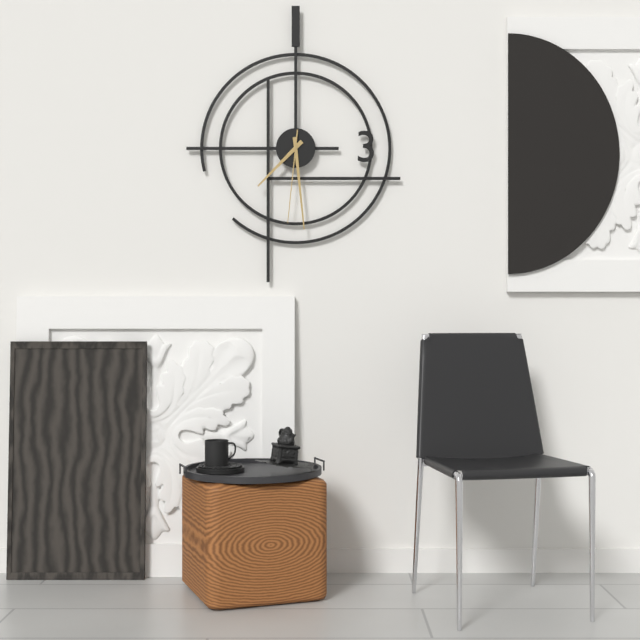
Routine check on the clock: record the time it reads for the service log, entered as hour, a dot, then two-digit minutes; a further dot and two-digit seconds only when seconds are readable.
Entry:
7.29.31
